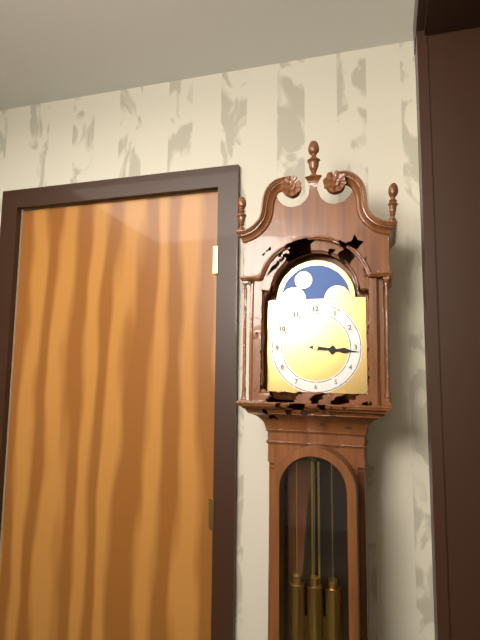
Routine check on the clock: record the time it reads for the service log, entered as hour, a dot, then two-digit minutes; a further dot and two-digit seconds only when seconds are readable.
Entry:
3.16
